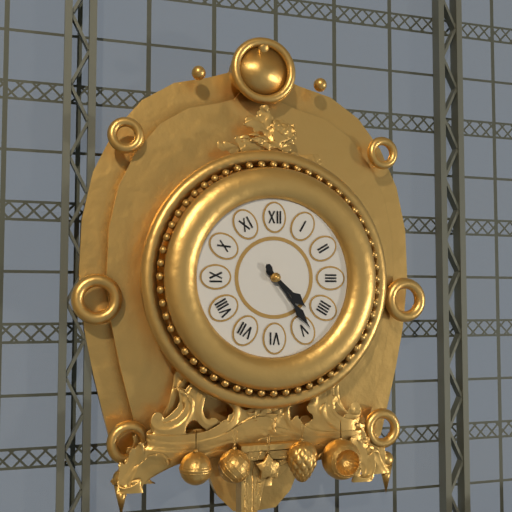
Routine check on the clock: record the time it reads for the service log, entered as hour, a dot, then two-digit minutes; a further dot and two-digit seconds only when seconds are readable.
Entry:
4.24
